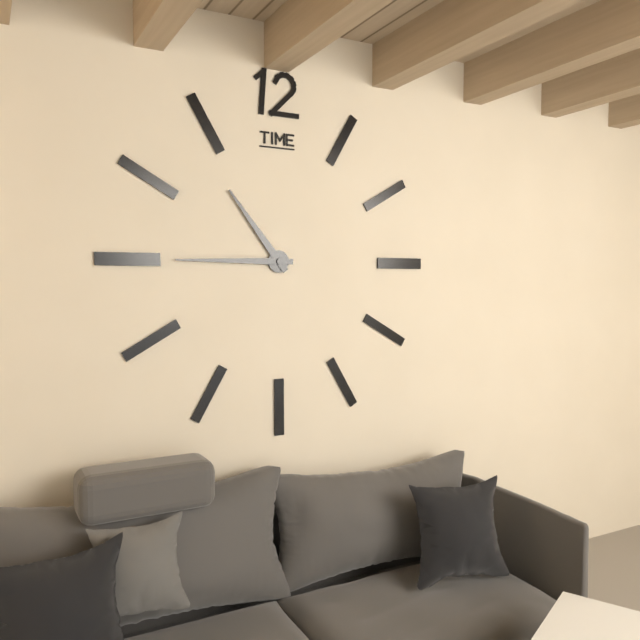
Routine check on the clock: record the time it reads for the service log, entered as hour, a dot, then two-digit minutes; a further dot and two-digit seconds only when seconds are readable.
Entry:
10.45
